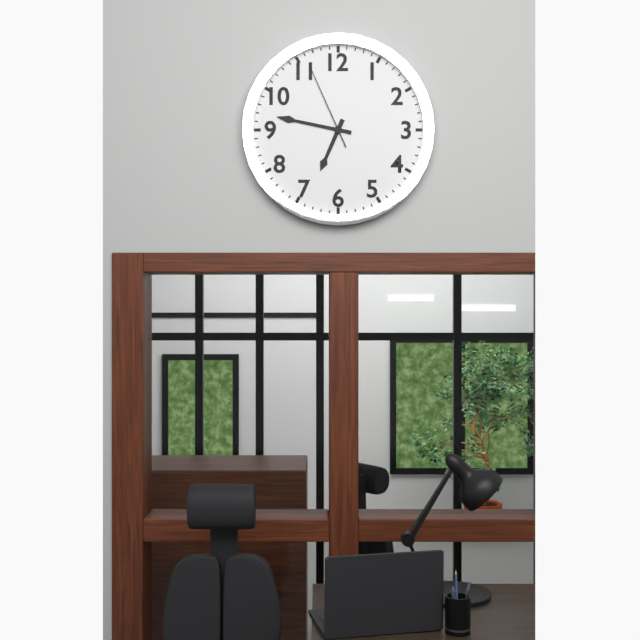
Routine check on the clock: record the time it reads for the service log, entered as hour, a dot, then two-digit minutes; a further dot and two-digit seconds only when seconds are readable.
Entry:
6.47.56
